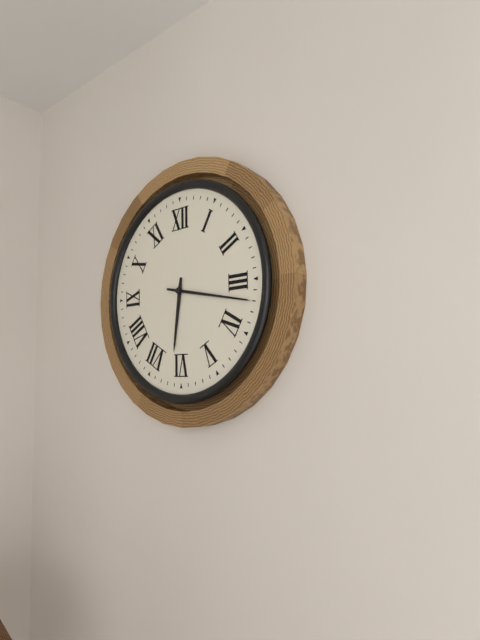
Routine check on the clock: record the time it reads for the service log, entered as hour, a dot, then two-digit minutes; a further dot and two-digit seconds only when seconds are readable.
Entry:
6.17
